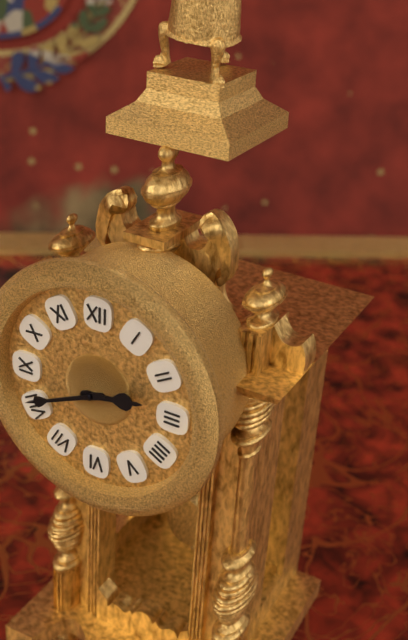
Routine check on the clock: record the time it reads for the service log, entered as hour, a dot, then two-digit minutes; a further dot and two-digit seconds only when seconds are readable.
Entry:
2.41
